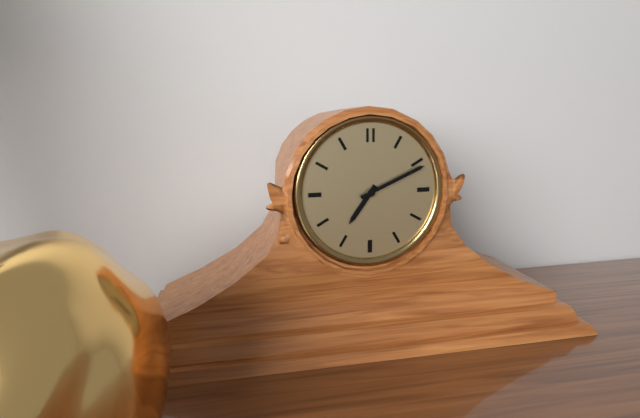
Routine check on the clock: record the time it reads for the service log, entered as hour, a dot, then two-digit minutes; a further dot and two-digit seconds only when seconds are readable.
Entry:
7.11
